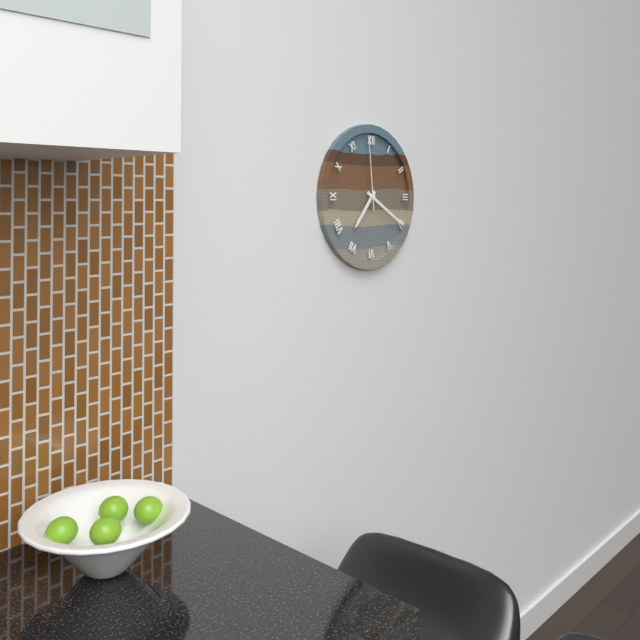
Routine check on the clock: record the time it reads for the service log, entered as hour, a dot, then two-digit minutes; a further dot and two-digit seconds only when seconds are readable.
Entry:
7.20.59
